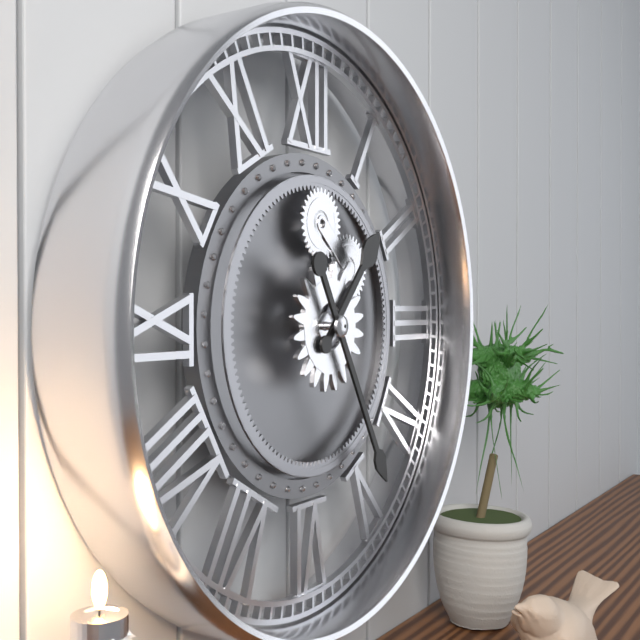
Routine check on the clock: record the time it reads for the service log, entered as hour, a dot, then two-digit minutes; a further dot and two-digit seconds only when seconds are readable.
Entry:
1.25
